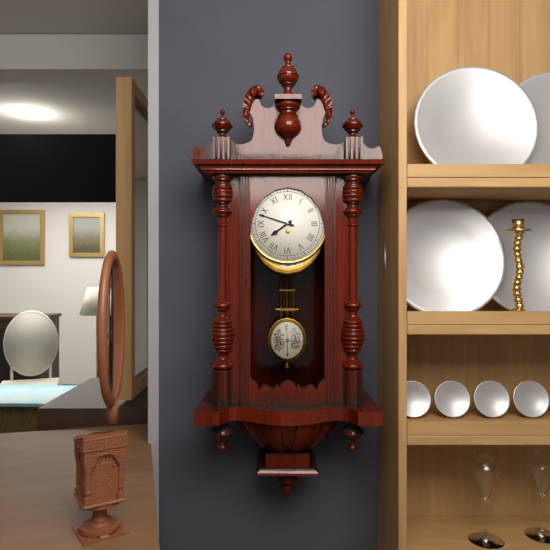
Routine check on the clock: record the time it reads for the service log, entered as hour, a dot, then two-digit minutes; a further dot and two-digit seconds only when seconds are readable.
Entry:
7.48
